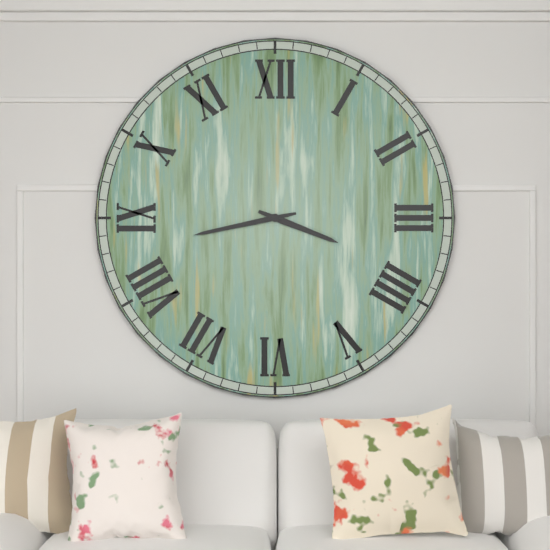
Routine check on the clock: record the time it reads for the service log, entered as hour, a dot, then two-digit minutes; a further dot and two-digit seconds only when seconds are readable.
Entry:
3.43
